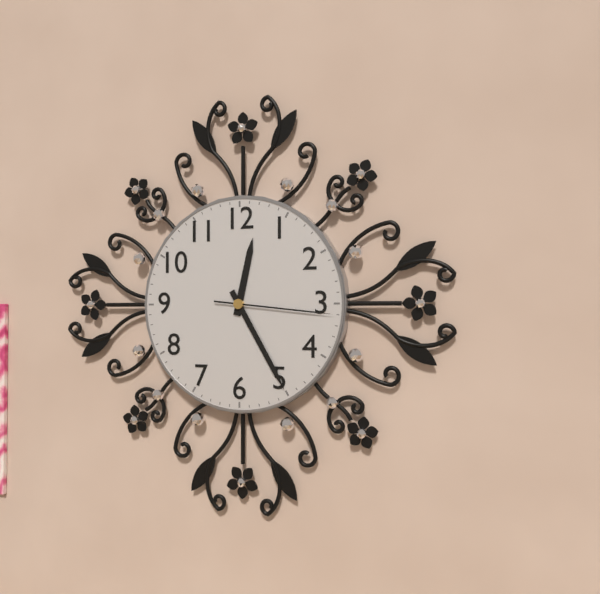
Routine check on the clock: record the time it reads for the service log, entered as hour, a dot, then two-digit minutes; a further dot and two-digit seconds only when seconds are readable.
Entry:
12.25.16
